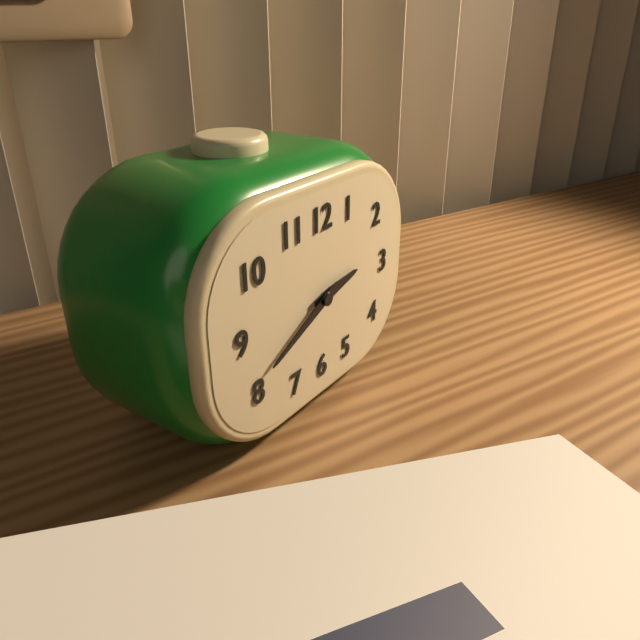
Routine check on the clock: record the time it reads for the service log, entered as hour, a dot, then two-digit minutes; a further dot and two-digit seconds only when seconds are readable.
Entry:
2.41
